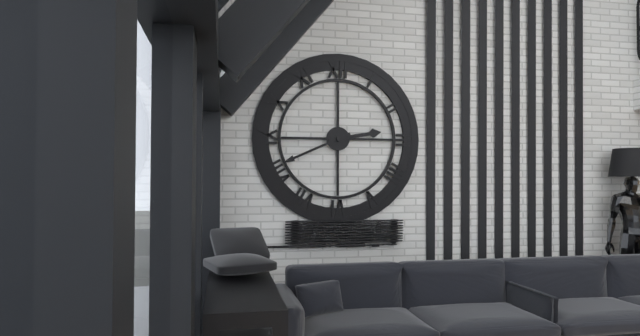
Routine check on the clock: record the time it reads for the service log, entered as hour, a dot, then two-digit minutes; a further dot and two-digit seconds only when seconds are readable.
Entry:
2.41
